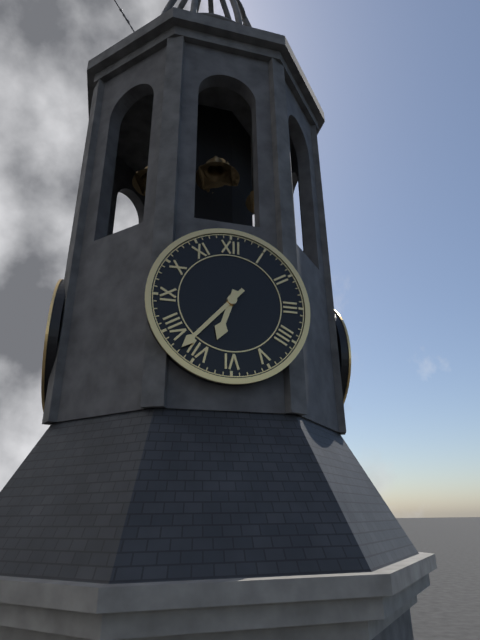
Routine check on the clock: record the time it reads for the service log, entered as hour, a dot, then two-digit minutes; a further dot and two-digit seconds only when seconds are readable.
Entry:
6.37
